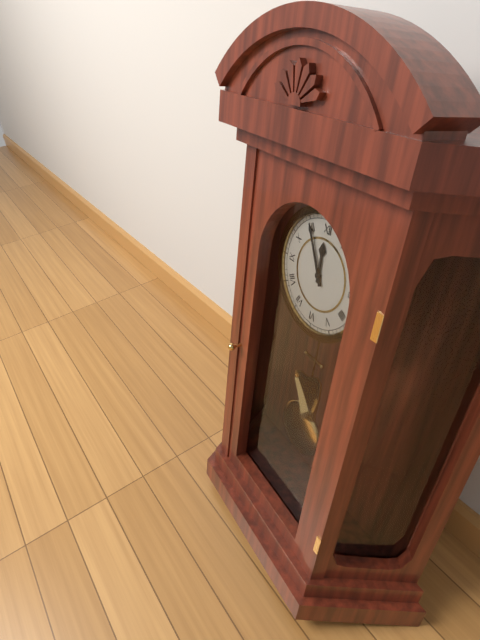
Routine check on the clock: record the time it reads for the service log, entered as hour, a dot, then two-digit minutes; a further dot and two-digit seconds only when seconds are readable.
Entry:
11.55
